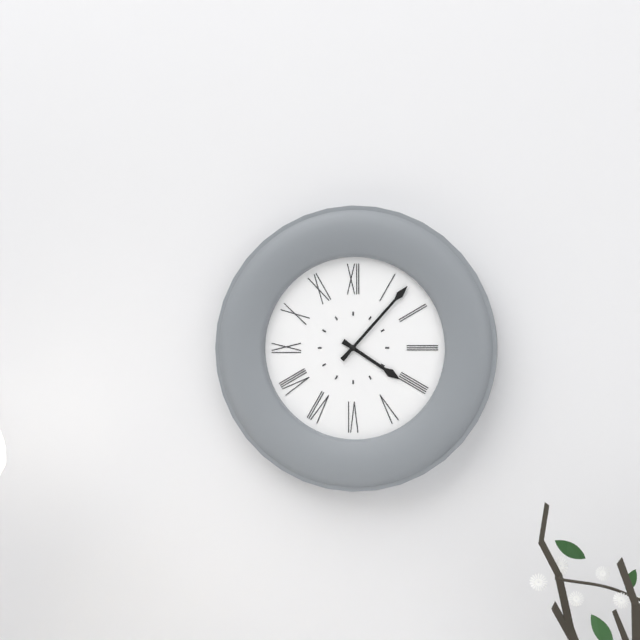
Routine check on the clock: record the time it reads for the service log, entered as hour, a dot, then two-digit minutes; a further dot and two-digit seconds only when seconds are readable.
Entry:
4.07
